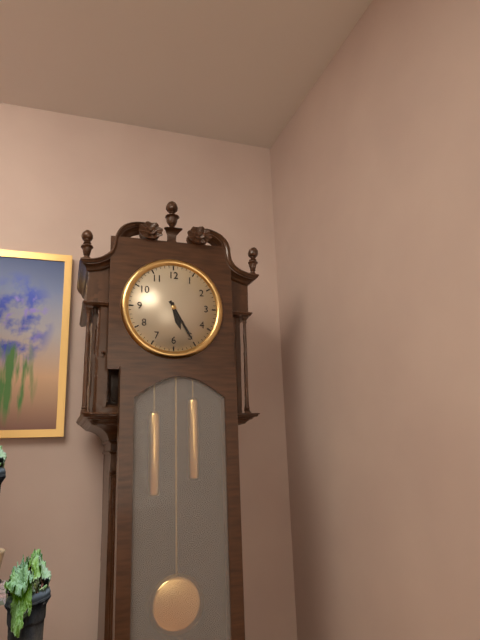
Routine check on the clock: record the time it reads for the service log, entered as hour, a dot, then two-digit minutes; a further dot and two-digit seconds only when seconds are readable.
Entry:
5.25
